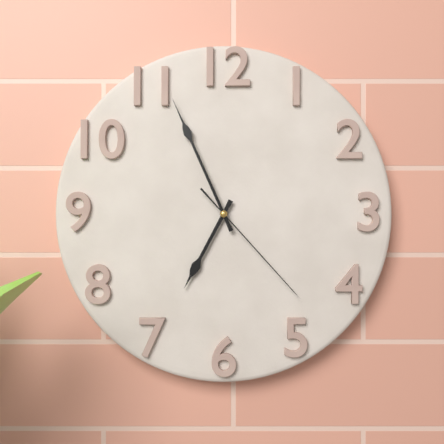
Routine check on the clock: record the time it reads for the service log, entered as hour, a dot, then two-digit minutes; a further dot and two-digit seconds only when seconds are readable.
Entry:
6.56.23
